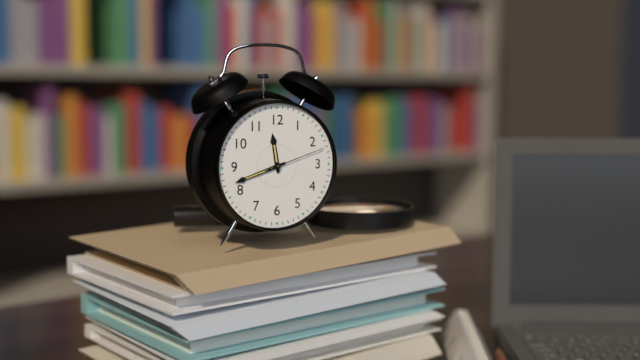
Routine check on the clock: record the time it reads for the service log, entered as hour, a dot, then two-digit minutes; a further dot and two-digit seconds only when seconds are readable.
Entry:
11.42.12
